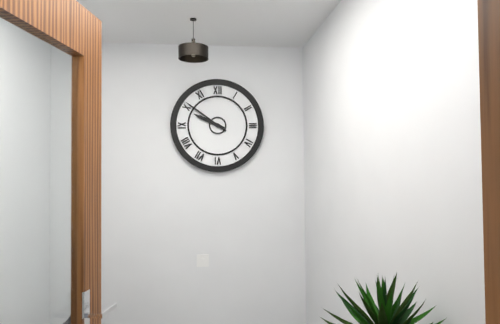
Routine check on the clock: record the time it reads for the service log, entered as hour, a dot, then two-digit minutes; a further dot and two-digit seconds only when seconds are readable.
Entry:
9.51
